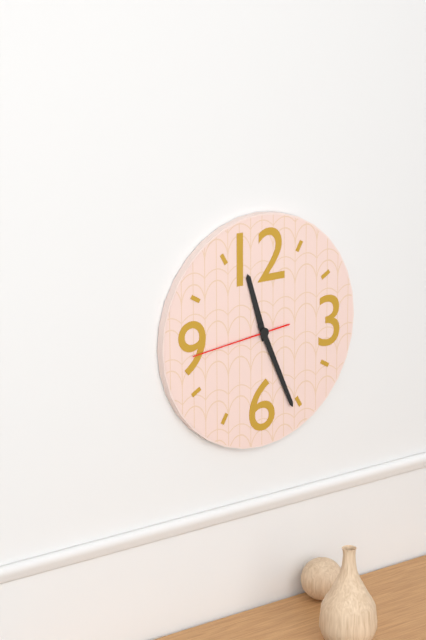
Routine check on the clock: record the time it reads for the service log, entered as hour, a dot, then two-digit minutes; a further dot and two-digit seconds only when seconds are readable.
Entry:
11.26.44
